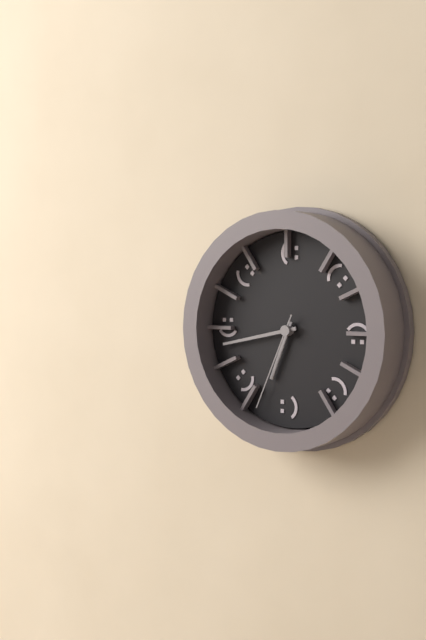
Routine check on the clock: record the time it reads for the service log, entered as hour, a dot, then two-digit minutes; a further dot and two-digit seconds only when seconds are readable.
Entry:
6.43.34
